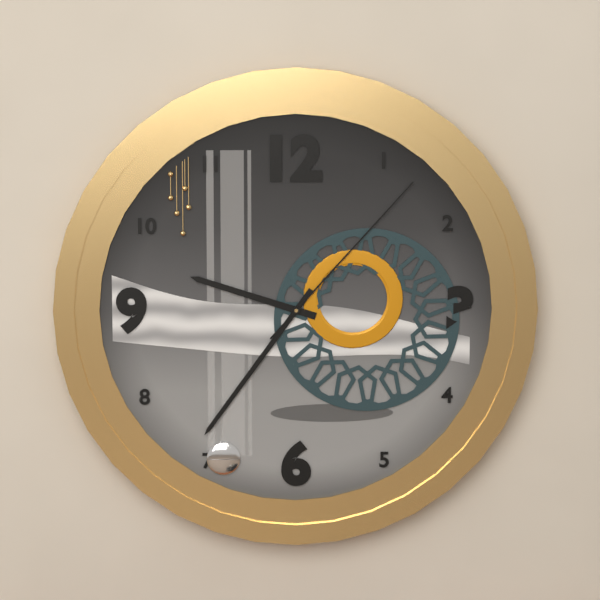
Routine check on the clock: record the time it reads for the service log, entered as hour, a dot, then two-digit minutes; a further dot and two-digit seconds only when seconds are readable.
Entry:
9.36.07
